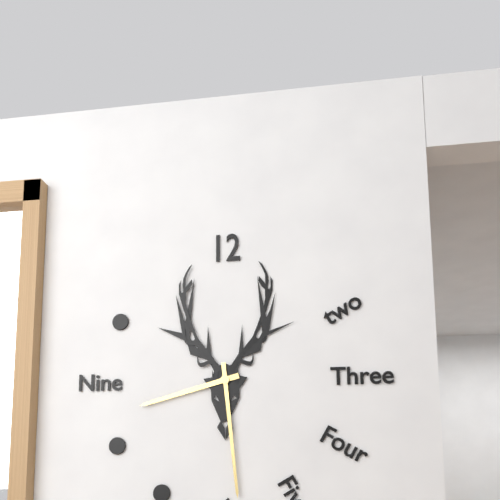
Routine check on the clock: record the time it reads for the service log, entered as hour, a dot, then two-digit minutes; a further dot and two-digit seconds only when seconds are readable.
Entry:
8.29
